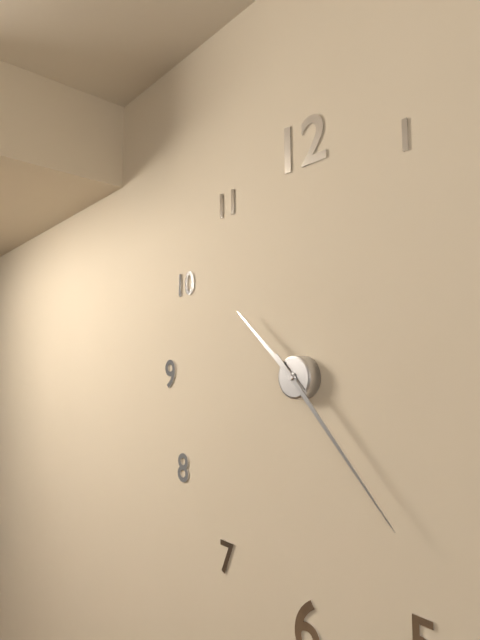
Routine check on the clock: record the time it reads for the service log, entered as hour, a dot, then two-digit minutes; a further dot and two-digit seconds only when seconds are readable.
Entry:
10.23
